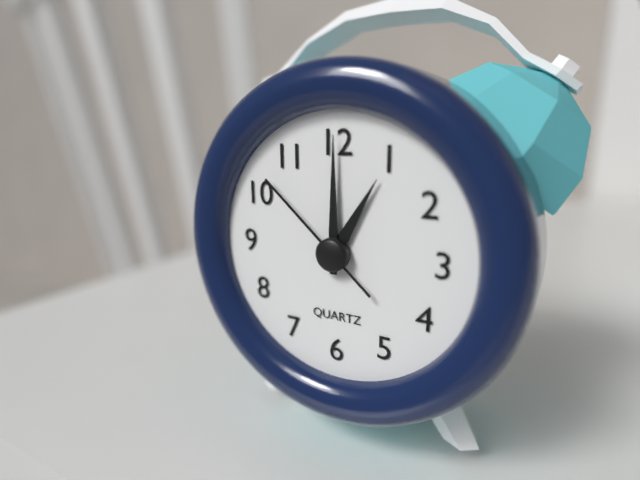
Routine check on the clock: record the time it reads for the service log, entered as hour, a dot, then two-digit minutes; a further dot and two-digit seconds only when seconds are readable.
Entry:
1.00.52
